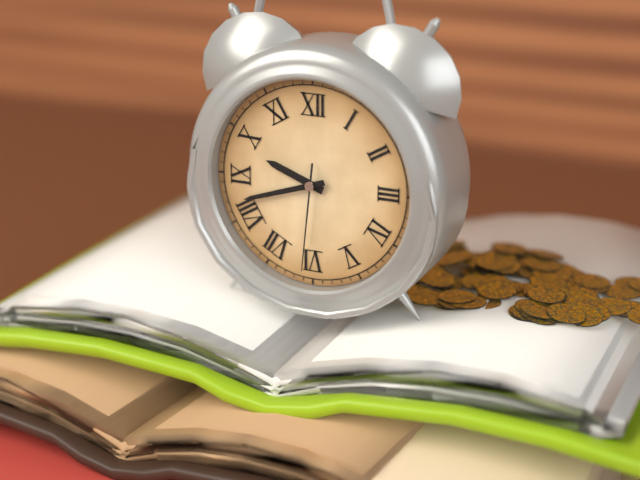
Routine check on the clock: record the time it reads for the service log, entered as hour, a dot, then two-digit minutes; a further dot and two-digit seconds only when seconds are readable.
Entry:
9.42.31
